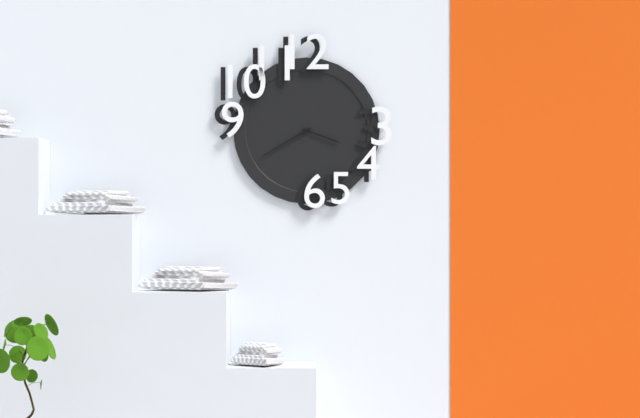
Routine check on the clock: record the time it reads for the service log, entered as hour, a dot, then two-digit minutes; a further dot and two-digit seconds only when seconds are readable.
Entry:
3.40
